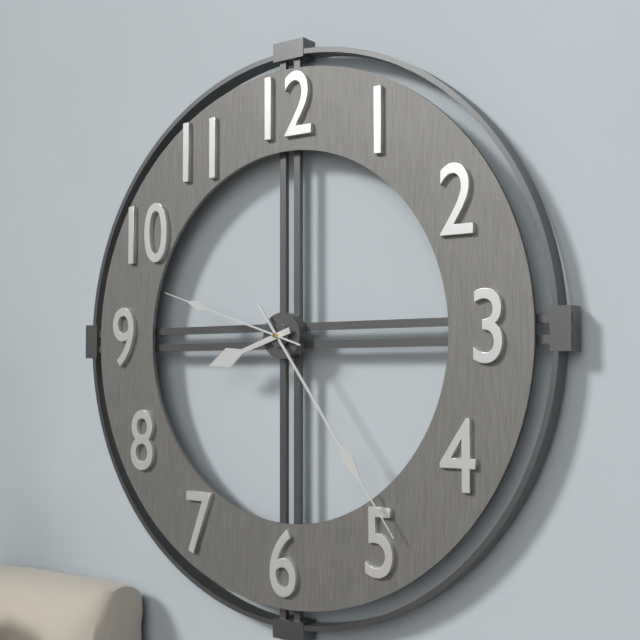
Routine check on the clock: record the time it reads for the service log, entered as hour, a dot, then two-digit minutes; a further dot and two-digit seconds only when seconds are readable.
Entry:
8.24.48
